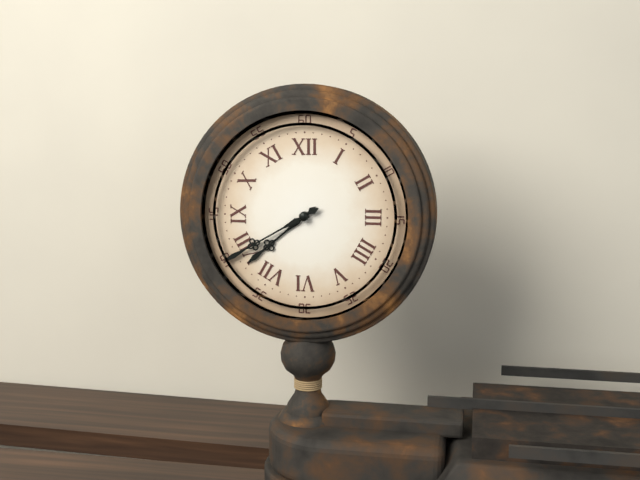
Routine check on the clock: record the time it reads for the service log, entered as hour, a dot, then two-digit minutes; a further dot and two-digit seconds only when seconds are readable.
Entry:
7.40
